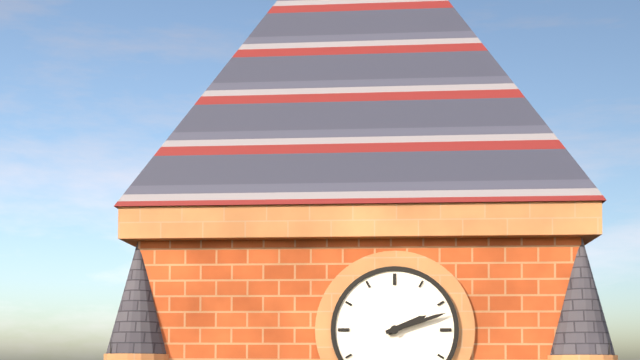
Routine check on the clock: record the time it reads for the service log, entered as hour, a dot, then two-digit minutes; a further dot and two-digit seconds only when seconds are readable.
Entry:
2.12
